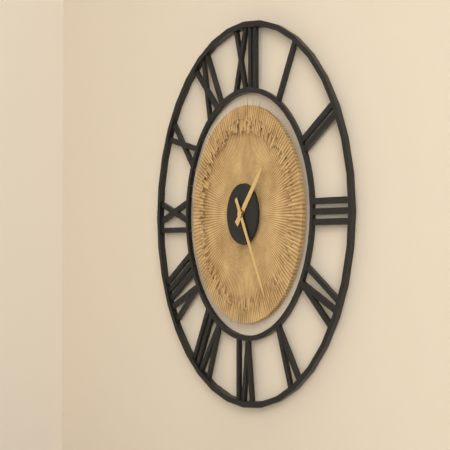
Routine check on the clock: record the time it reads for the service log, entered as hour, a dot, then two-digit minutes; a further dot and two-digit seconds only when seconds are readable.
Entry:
1.25
